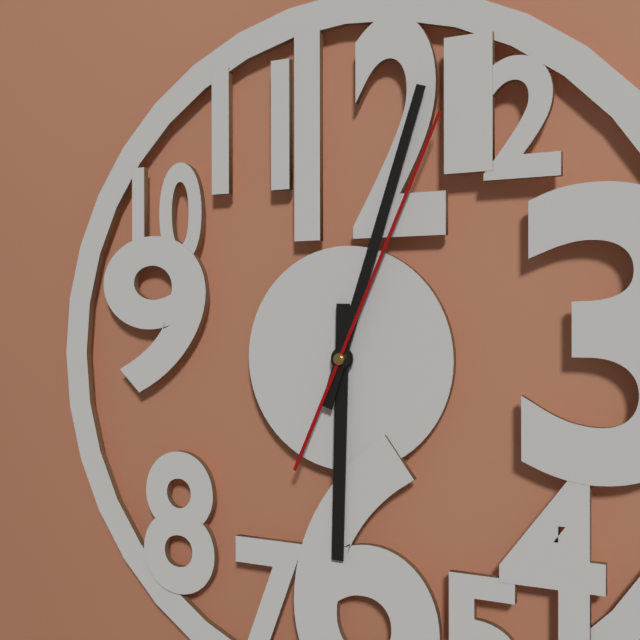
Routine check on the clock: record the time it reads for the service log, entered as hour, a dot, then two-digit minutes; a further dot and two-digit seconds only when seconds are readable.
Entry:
6.03.04
